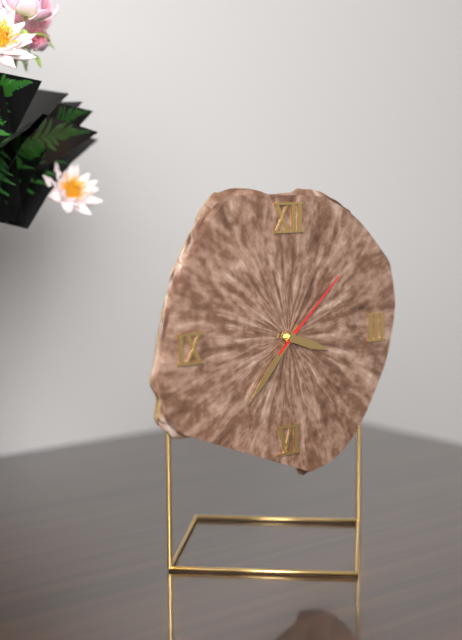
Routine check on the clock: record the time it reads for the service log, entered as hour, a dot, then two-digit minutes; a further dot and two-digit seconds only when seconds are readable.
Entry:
3.37.08
